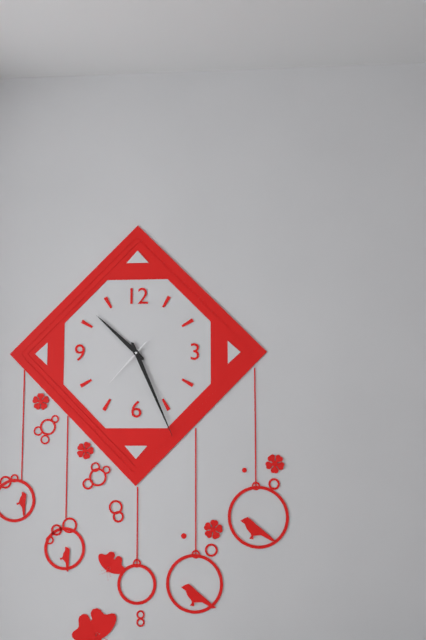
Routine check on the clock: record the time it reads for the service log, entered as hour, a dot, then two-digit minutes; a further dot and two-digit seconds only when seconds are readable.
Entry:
10.26.37
